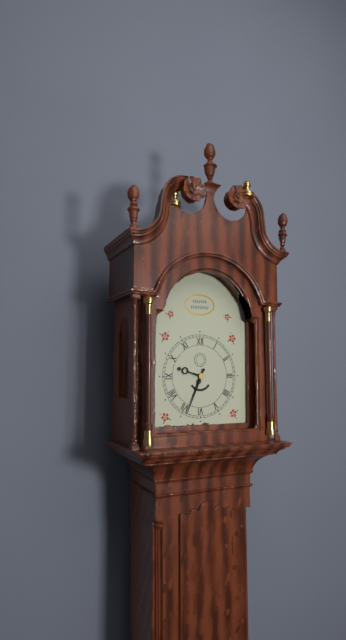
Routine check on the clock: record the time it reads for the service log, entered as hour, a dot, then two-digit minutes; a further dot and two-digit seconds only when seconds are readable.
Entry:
9.34
